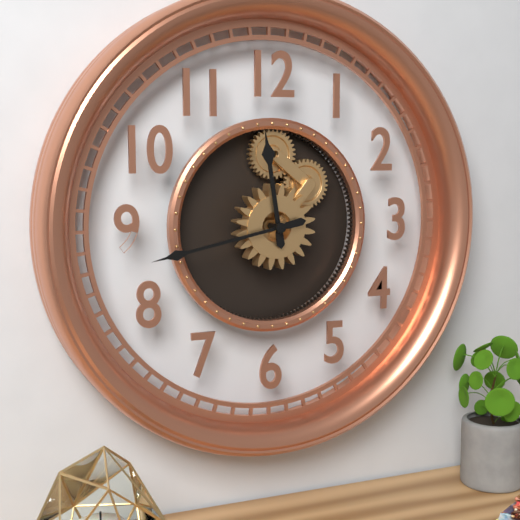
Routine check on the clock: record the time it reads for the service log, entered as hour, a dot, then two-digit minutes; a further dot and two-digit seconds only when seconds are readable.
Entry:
11.43
